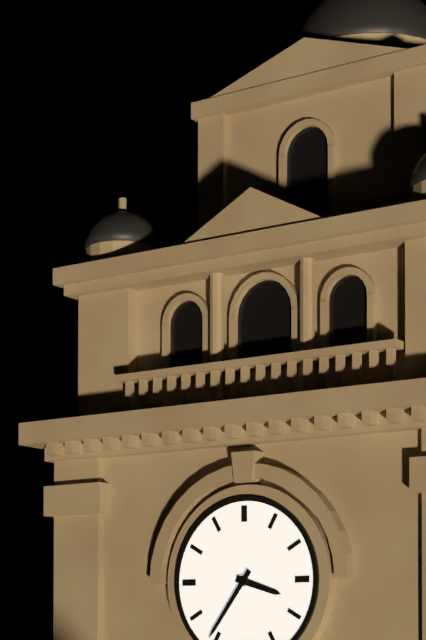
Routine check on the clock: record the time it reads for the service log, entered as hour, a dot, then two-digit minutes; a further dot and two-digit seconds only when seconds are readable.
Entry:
3.36
